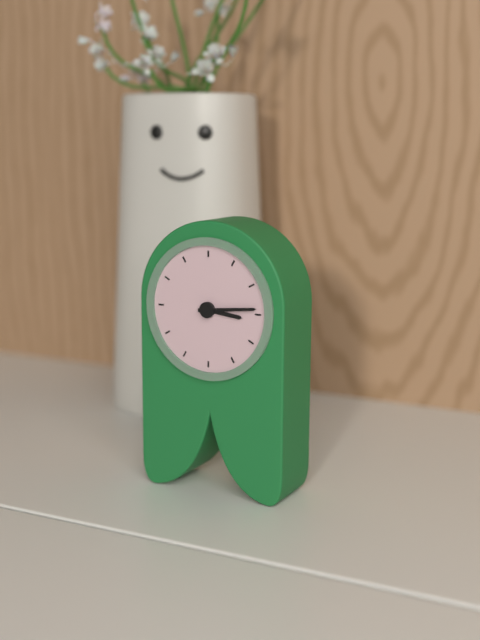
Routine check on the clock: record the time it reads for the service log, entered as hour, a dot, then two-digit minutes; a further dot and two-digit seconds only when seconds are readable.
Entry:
3.14
